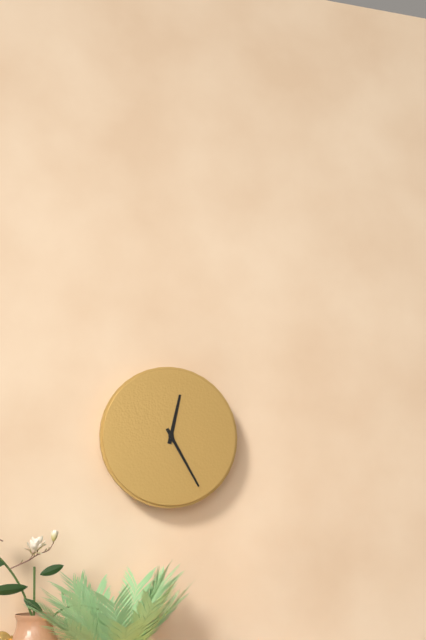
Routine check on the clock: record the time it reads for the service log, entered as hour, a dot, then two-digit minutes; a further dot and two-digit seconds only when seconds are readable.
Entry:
12.25
